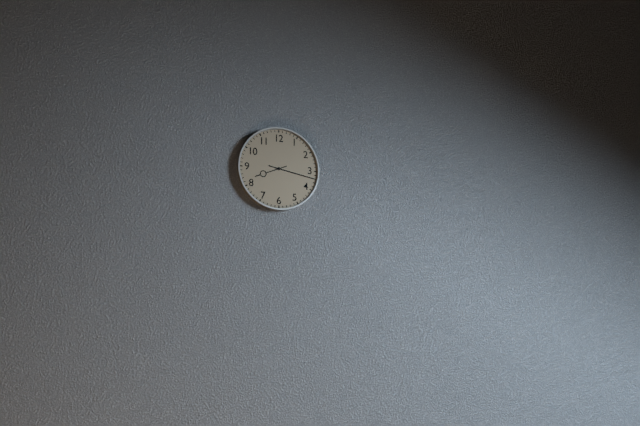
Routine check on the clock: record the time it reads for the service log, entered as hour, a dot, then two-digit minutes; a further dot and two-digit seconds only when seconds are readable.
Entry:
8.17
